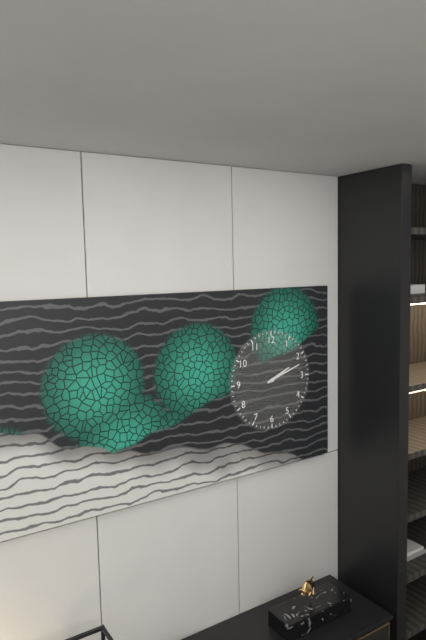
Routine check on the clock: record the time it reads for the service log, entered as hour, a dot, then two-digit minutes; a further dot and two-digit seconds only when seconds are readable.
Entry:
2.12
